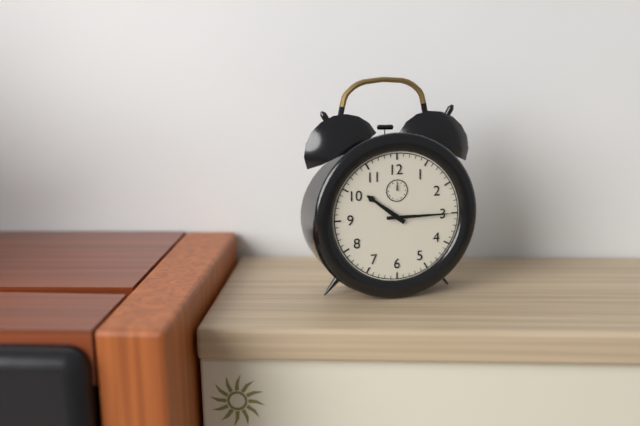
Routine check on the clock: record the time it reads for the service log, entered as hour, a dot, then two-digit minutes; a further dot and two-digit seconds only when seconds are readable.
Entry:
10.15
